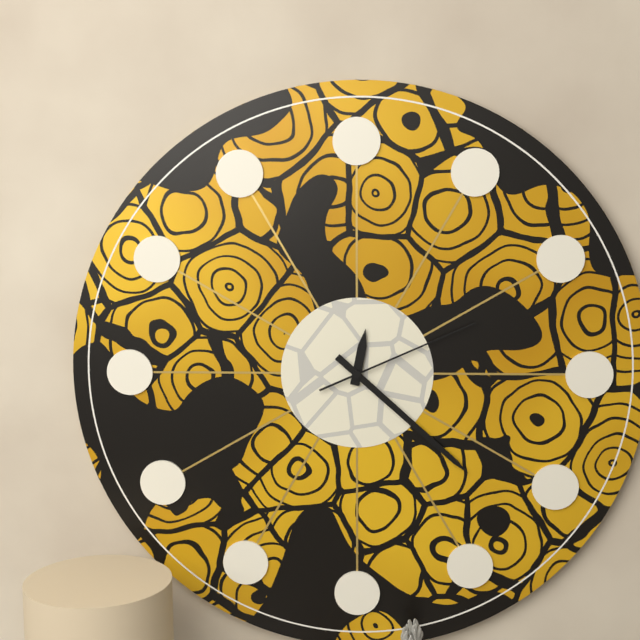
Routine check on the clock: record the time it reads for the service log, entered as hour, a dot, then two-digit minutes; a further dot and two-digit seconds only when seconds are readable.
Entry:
12.22.11
